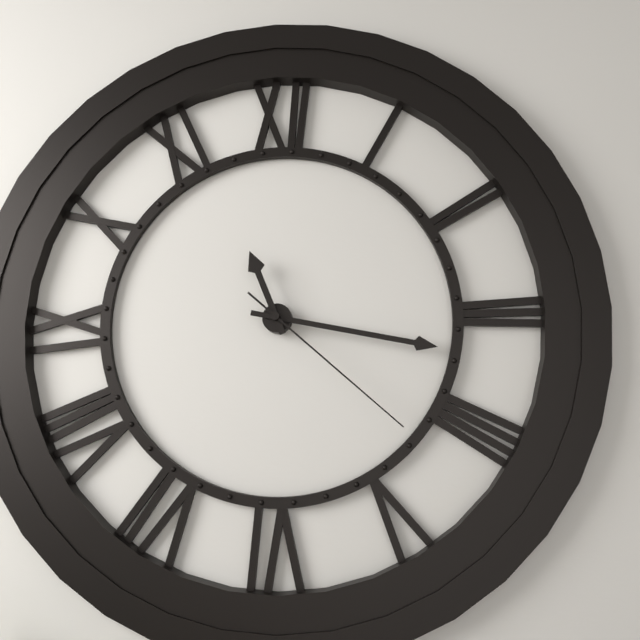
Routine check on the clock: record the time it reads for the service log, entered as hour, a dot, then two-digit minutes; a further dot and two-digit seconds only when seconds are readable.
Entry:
11.17.22
